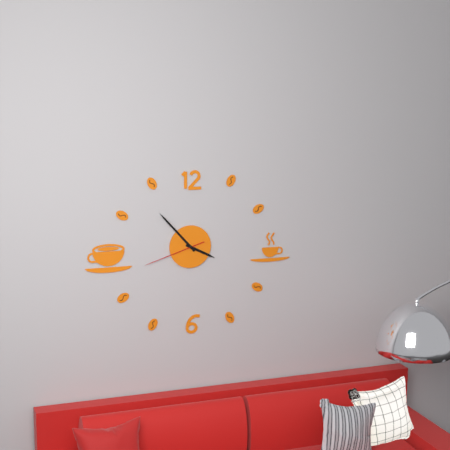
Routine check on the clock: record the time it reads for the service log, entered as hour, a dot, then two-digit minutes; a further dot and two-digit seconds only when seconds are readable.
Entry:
3.53.42
